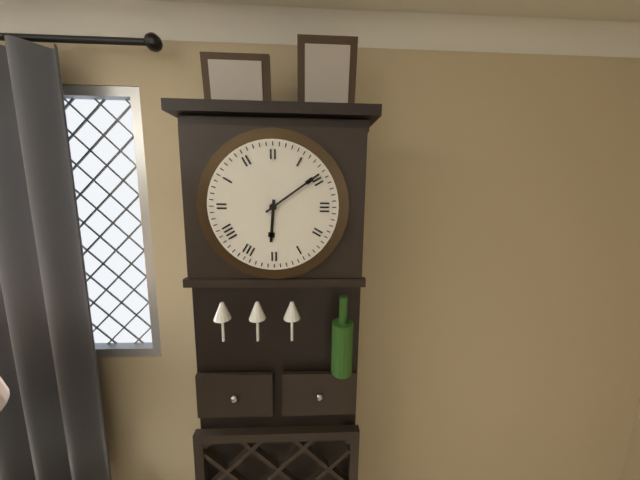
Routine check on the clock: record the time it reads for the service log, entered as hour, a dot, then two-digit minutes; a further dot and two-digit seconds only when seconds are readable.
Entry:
6.09
